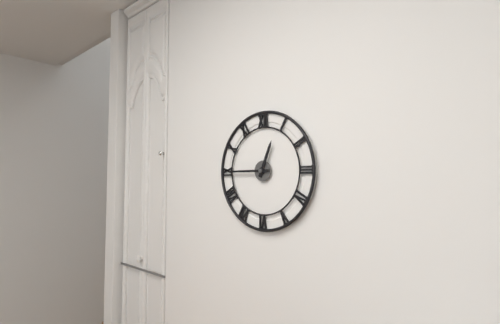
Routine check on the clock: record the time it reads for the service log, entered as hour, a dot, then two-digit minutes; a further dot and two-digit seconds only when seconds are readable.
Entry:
12.45
